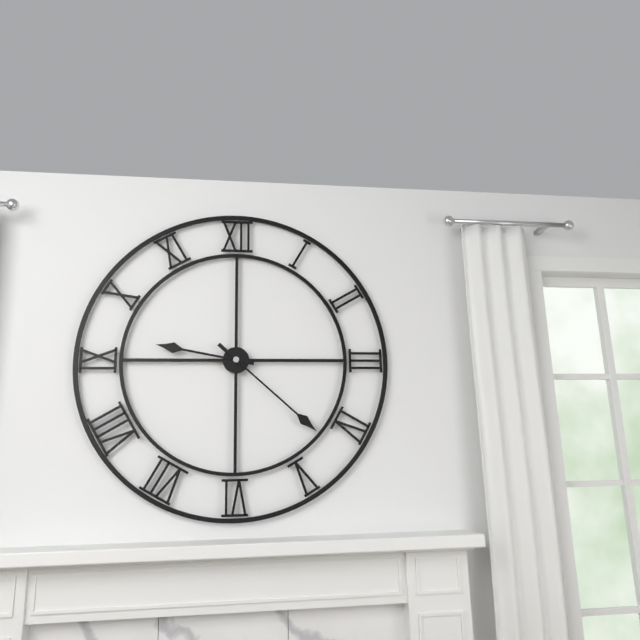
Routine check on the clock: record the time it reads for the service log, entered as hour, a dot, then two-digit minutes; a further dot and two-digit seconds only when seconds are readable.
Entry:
9.22
